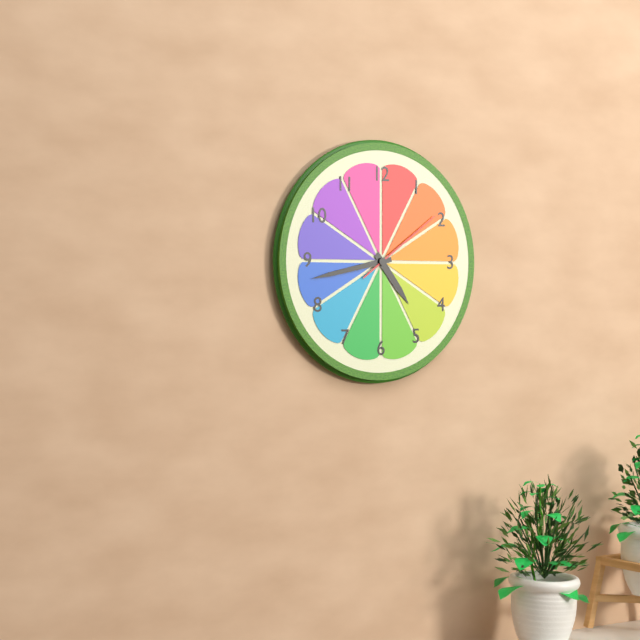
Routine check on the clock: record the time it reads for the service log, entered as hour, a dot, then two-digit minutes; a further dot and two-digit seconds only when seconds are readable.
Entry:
4.43.09
